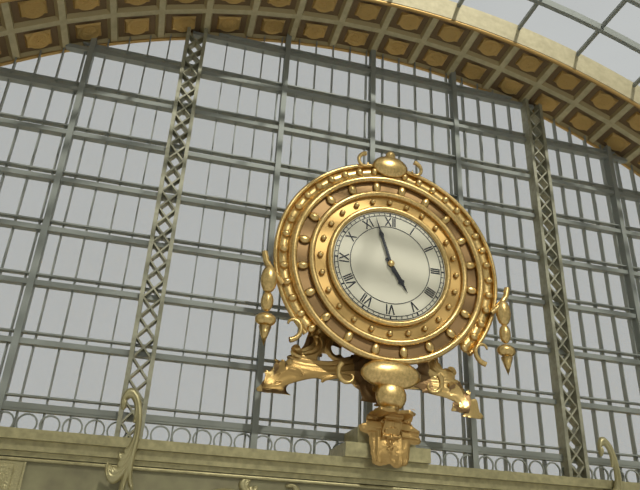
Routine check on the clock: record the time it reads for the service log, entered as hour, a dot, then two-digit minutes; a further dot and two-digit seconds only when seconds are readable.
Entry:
4.57
